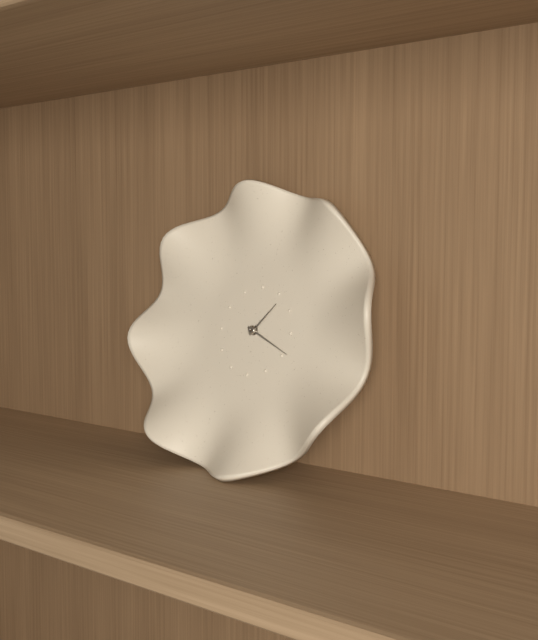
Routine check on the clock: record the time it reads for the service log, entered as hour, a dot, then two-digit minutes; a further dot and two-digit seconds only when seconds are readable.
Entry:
1.19
